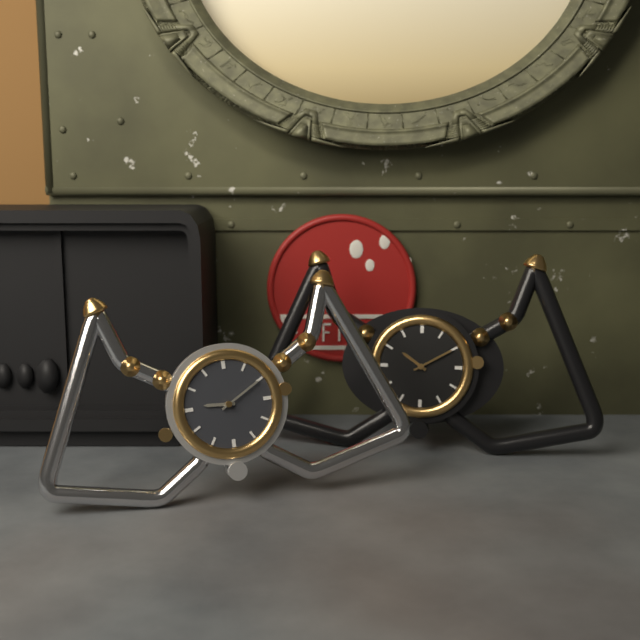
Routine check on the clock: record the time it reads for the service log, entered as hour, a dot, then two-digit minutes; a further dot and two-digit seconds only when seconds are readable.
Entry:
9.10
